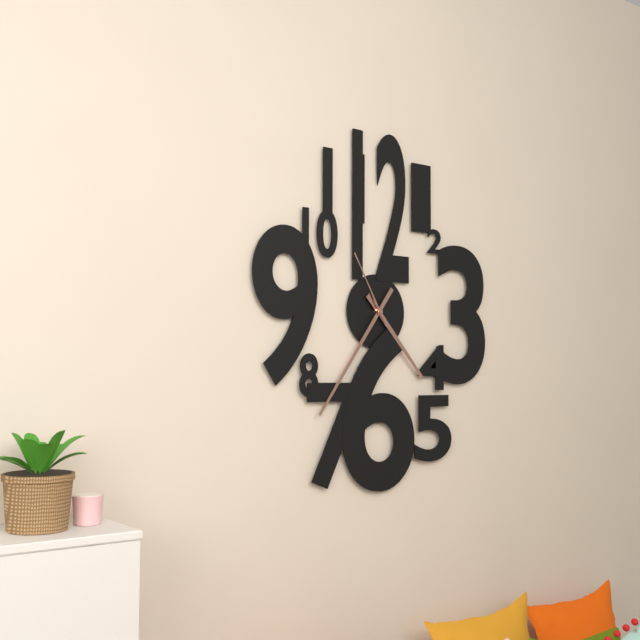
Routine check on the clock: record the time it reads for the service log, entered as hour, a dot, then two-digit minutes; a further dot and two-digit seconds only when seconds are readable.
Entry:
4.36.55
